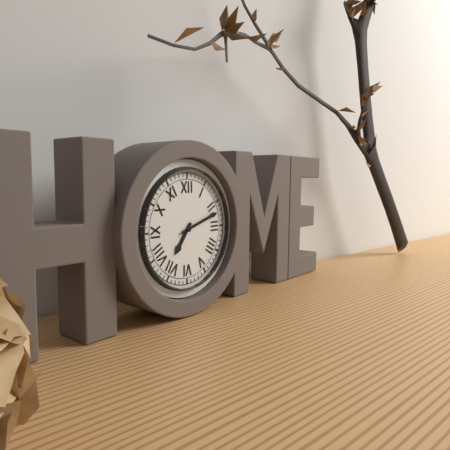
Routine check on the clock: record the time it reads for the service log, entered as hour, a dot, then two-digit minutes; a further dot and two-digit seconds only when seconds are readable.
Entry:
7.12
